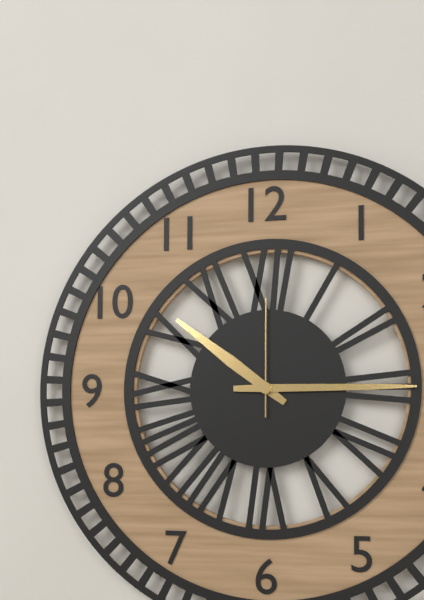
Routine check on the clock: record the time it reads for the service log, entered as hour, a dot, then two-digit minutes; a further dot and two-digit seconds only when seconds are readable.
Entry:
10.15.00
